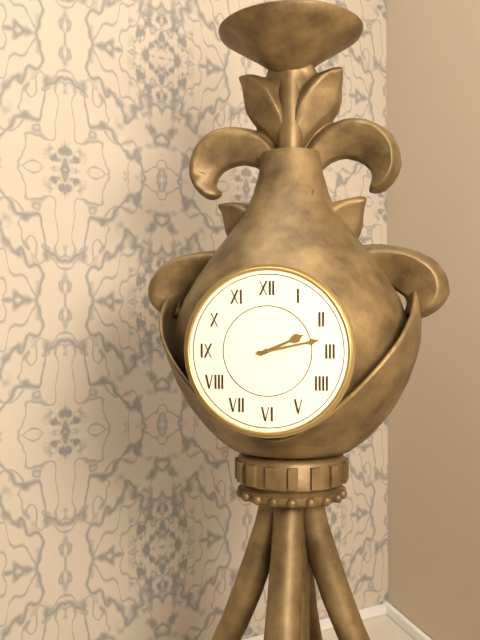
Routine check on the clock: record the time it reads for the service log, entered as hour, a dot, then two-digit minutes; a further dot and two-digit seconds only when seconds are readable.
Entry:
2.13
